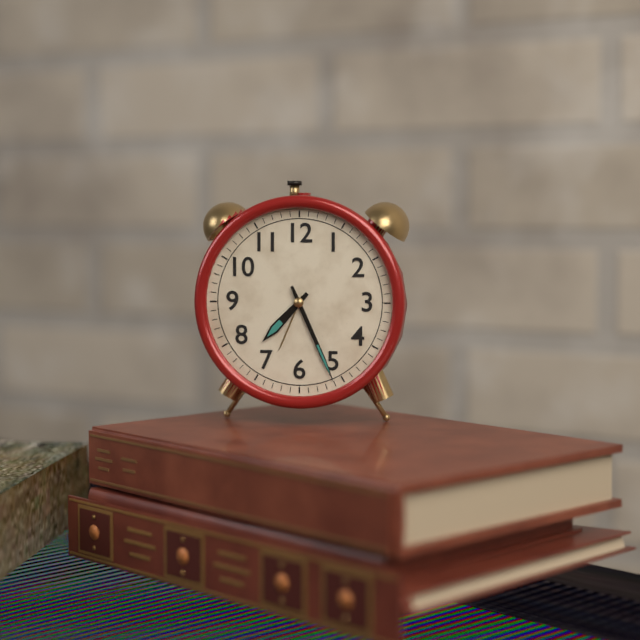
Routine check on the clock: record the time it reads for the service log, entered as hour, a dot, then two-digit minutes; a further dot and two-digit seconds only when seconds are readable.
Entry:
7.26
